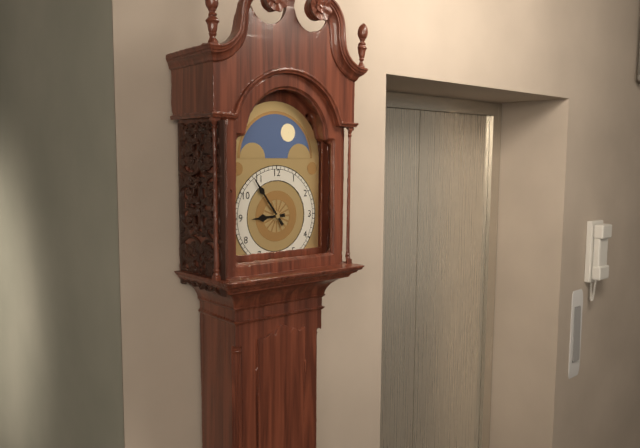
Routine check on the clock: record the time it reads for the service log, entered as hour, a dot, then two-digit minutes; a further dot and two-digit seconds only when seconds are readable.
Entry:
8.54
